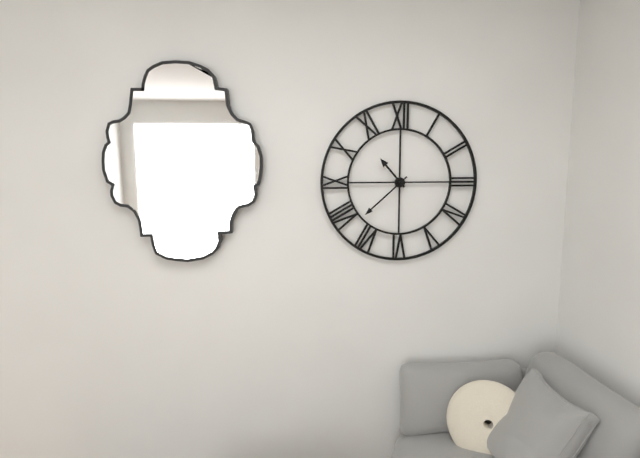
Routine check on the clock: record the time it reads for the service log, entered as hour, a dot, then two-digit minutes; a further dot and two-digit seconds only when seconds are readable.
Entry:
10.38
